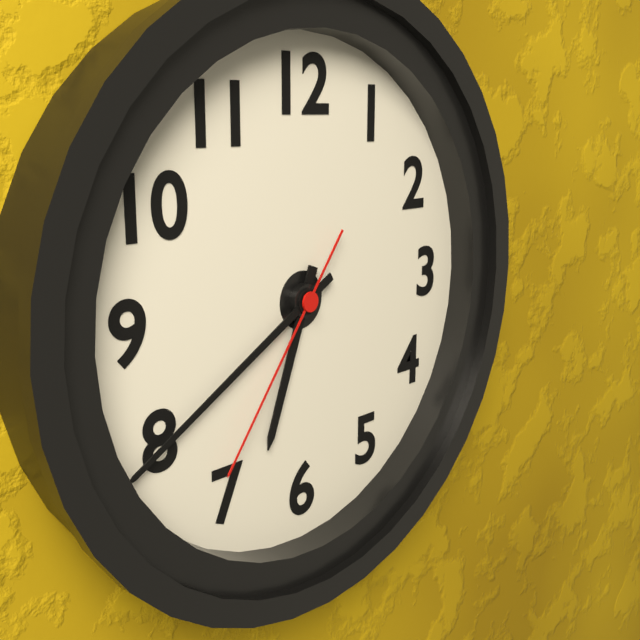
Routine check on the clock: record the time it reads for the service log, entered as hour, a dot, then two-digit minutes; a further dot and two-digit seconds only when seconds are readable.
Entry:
6.40.36
